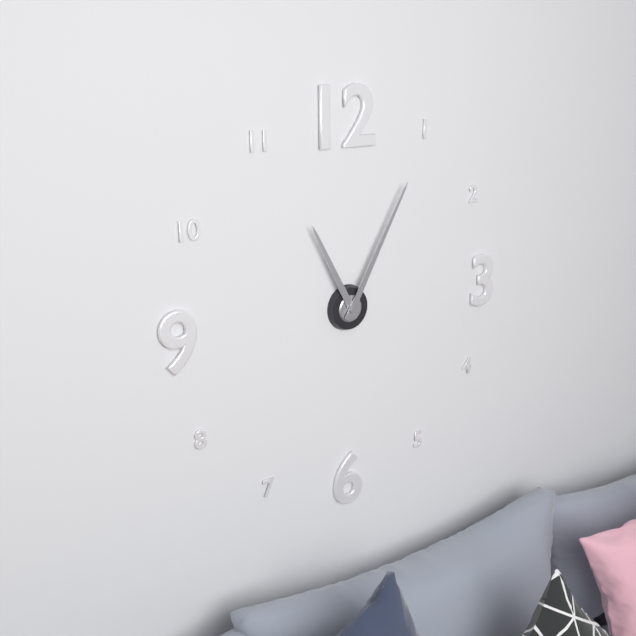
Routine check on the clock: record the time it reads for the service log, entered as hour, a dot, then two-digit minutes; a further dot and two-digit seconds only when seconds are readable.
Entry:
11.05
